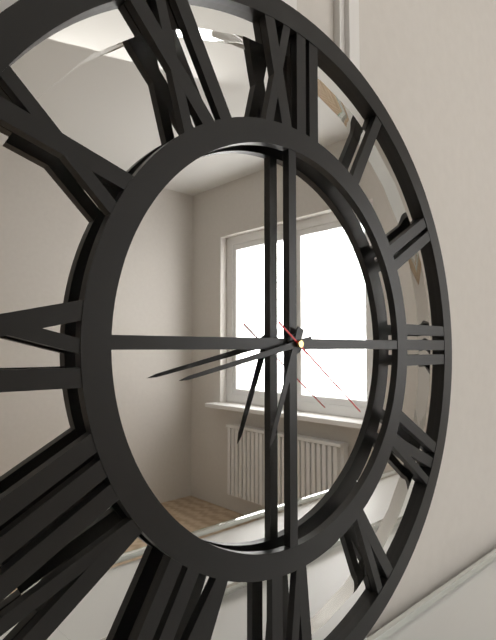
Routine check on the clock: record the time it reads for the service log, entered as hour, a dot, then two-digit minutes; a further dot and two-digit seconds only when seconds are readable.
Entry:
6.43.21
